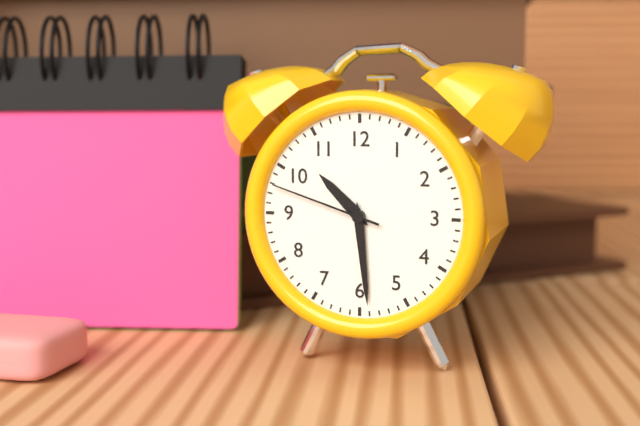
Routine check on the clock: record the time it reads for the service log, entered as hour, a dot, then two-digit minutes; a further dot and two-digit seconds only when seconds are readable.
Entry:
10.29.48
